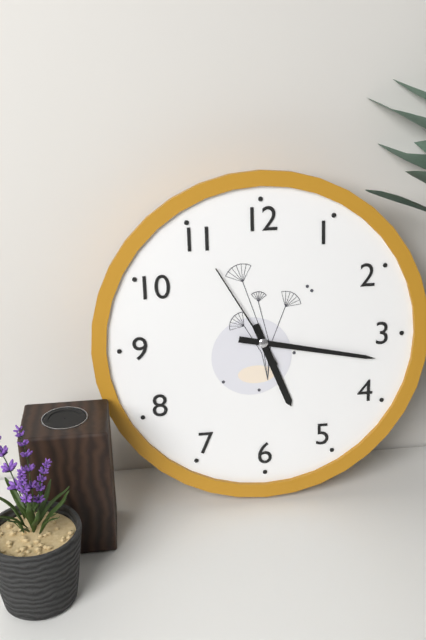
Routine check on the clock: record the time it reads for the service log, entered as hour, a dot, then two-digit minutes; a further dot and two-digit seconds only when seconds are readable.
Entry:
5.17.55
